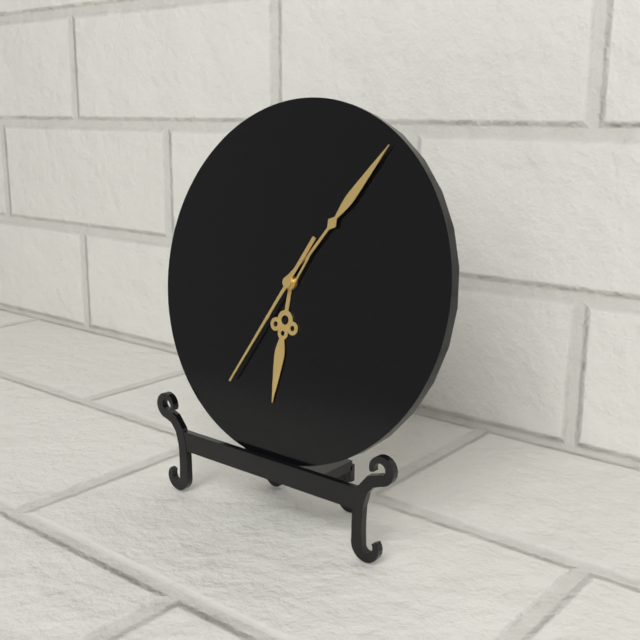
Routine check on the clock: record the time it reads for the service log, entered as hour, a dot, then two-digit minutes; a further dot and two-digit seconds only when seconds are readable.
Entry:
6.06.35
